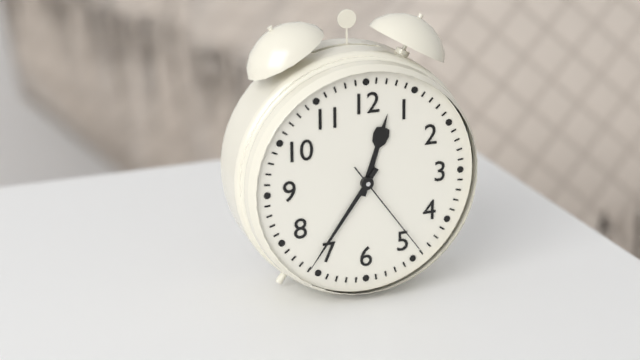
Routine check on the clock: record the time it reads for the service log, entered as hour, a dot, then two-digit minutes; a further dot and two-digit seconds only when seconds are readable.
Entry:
12.36.24
